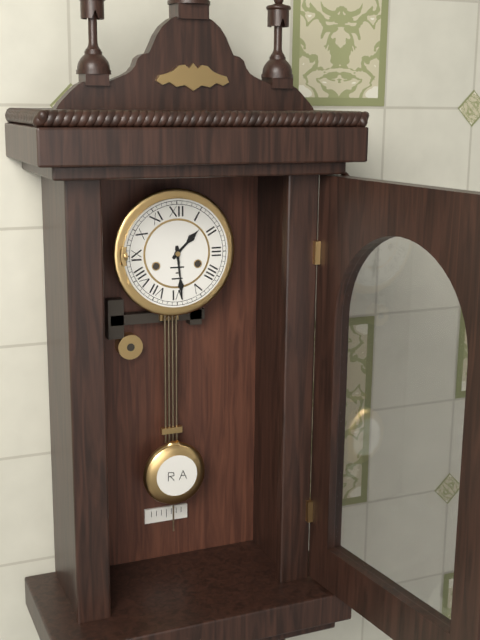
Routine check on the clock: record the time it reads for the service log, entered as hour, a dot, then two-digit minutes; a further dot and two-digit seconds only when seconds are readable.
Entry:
1.29
